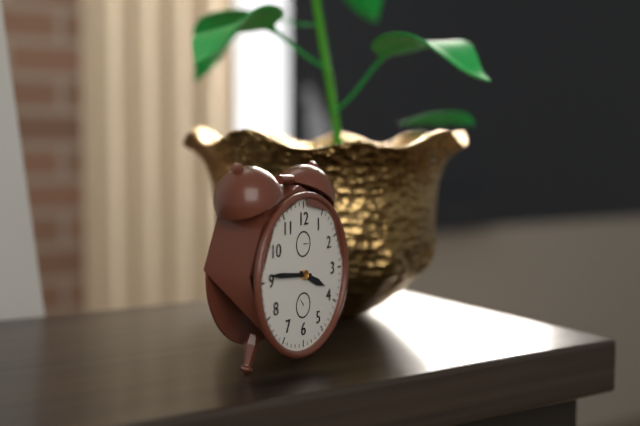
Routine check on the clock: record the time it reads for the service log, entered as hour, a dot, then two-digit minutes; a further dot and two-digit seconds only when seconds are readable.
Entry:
3.46
